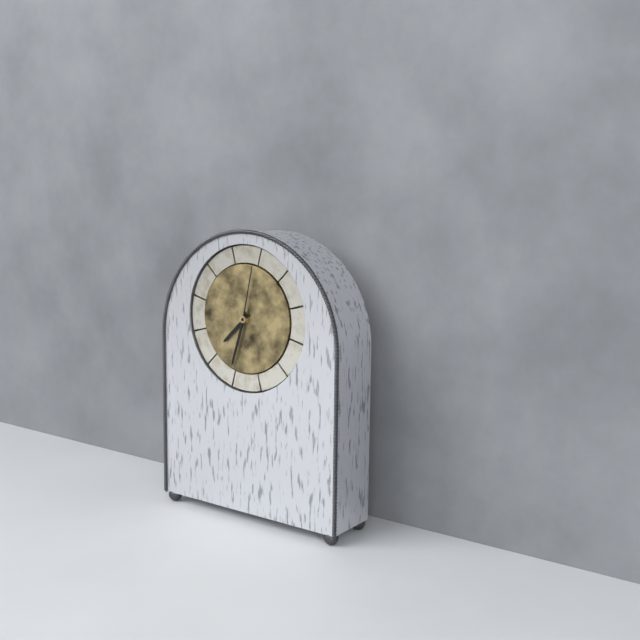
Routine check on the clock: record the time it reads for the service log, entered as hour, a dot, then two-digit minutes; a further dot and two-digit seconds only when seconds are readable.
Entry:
7.33.02
